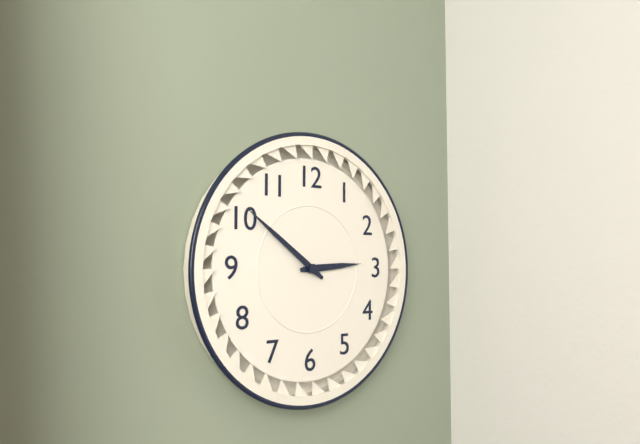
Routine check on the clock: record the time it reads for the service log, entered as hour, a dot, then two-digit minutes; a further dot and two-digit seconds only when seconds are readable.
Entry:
2.51
